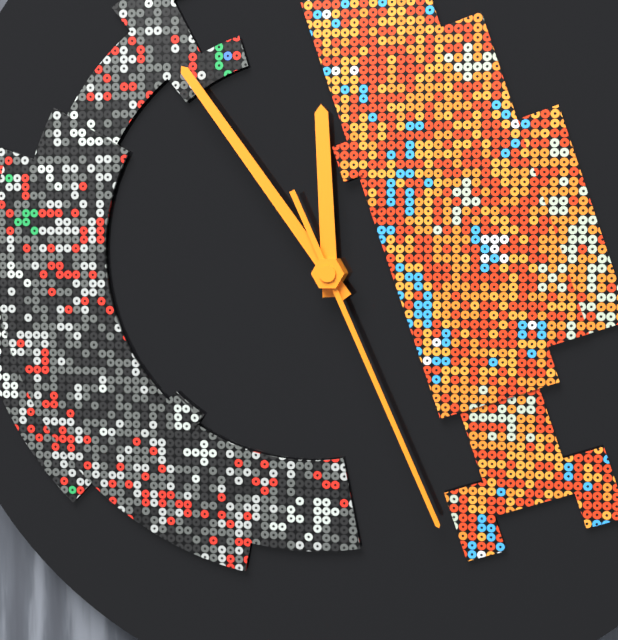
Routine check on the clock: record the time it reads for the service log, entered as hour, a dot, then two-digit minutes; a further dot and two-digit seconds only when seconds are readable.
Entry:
11.54.26
